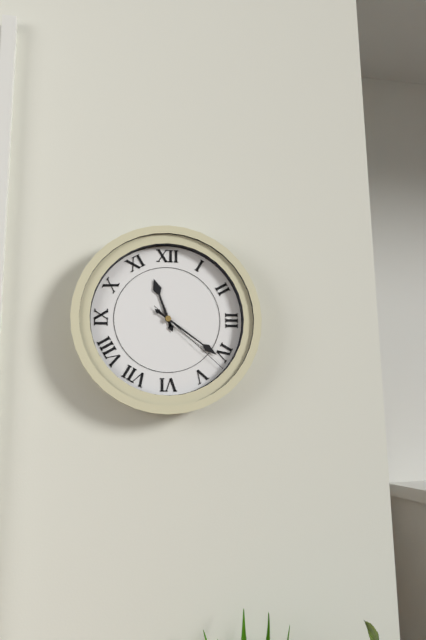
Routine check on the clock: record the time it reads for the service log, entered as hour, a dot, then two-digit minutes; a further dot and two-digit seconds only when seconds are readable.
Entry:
11.21.22
